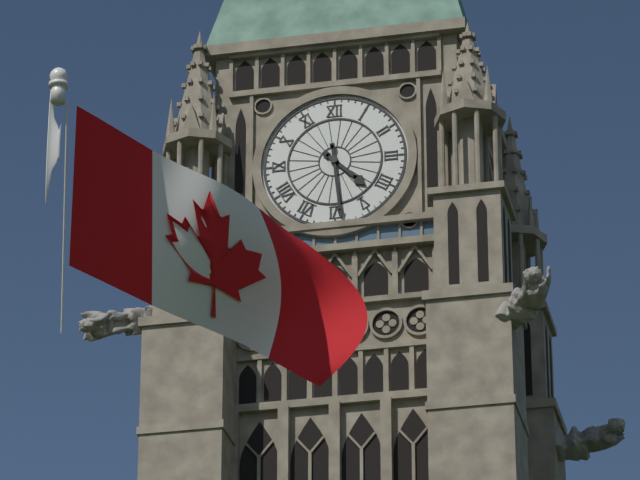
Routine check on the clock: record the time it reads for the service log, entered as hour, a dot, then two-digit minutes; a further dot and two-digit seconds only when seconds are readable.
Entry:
4.29
